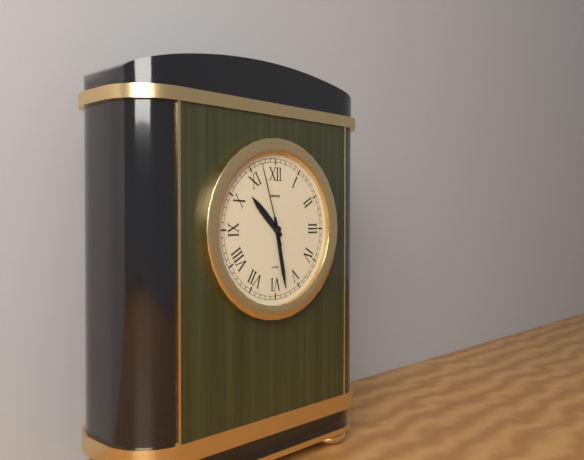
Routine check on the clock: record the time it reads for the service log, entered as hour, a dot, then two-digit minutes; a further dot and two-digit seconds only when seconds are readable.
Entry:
10.28.57
